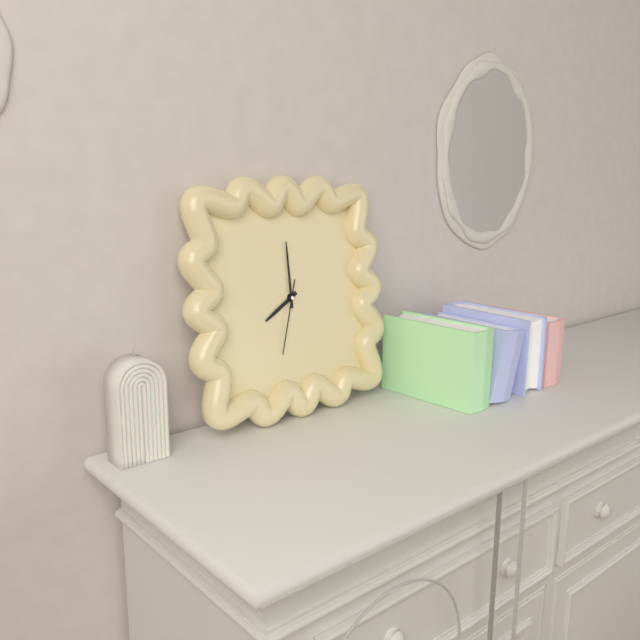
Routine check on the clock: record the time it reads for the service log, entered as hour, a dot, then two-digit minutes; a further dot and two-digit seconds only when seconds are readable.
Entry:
8.00.33
